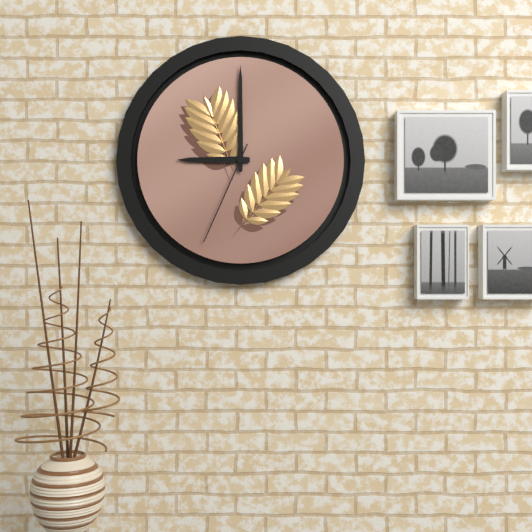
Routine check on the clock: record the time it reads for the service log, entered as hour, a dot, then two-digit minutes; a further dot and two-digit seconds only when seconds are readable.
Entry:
9.00.34
